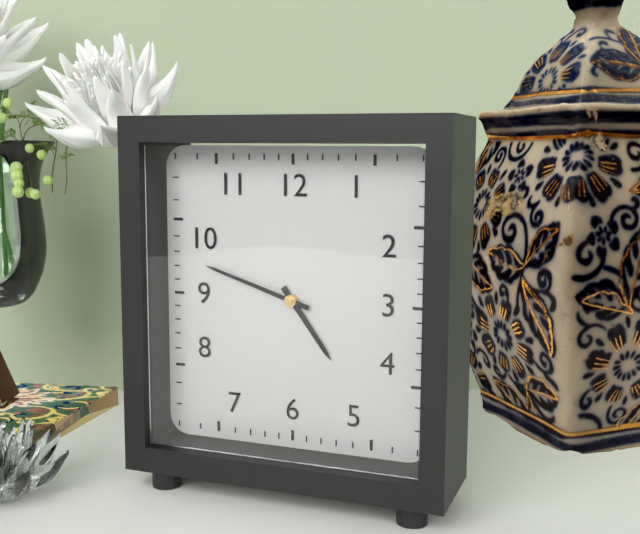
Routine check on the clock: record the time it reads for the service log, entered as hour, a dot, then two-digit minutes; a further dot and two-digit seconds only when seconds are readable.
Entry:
4.48
